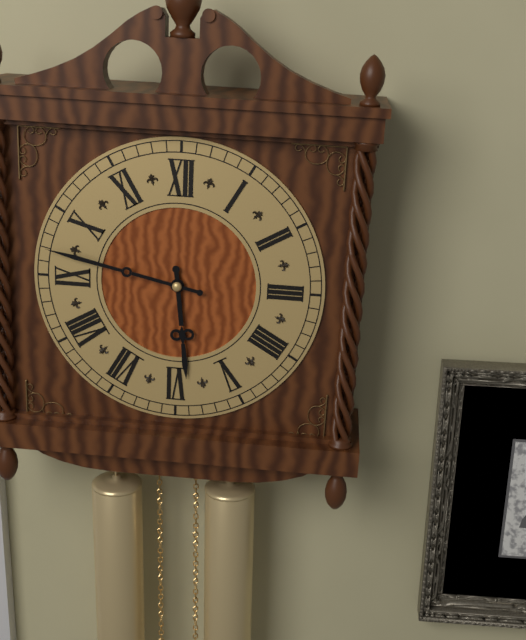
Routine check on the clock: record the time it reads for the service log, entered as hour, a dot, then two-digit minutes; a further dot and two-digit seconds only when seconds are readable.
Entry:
5.47
